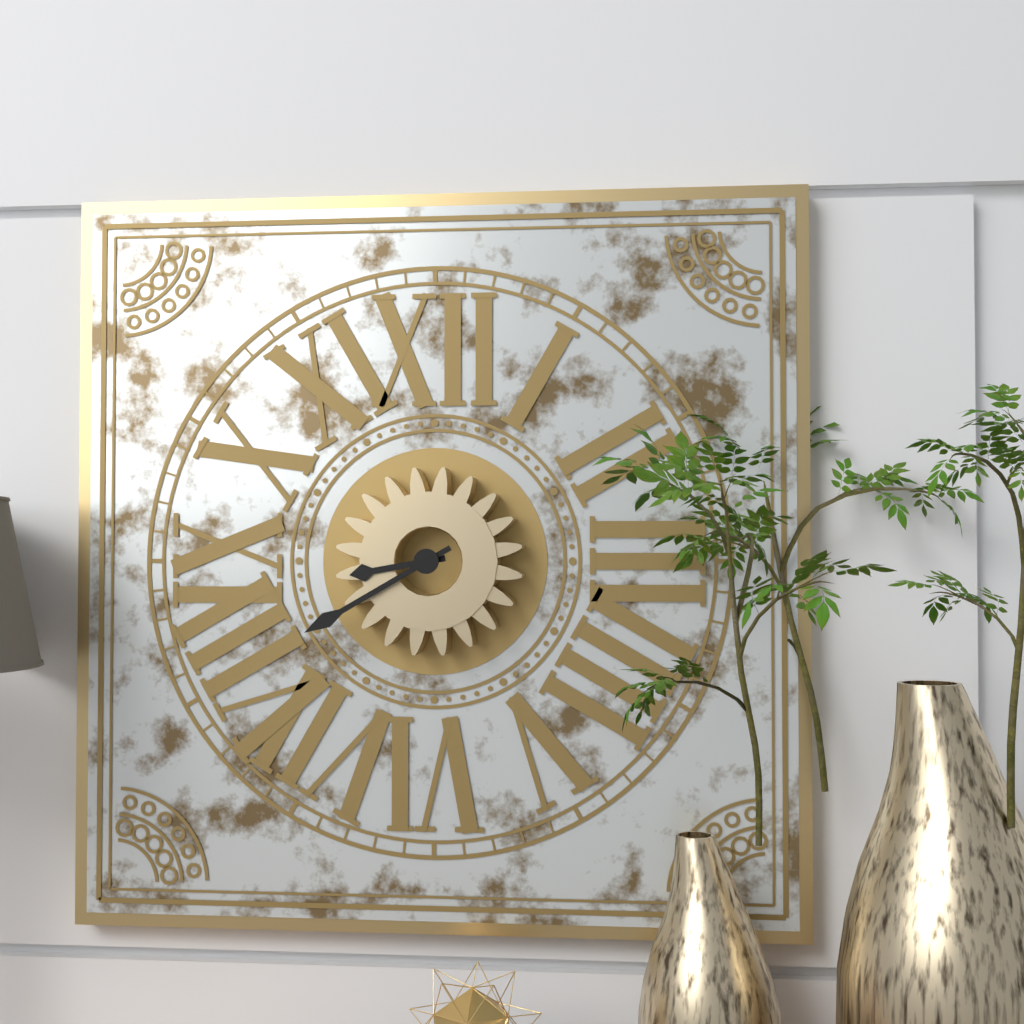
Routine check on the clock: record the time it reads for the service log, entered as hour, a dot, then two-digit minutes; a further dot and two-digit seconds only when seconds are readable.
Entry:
8.40
